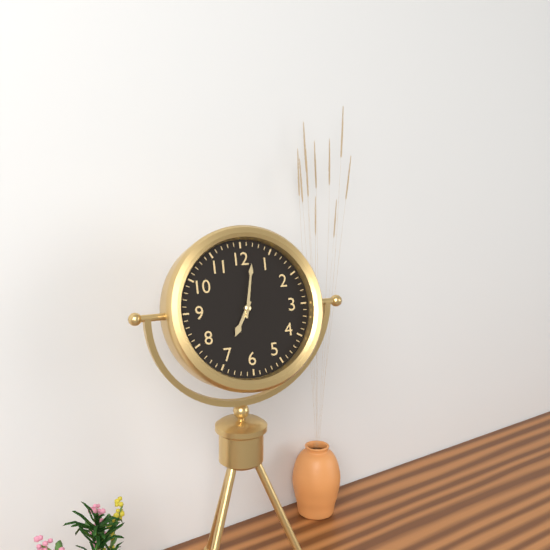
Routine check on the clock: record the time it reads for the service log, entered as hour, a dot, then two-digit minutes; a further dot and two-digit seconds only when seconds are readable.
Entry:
7.02
